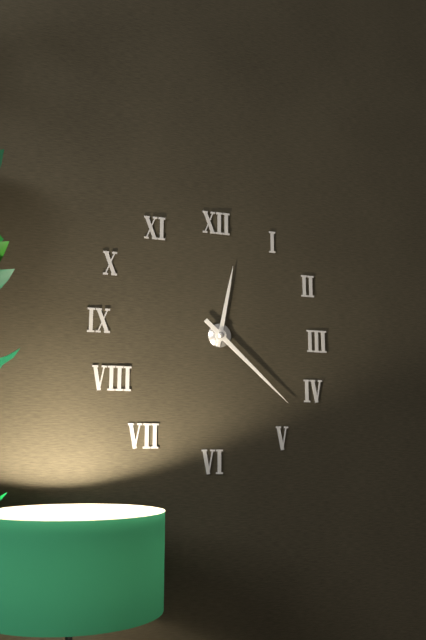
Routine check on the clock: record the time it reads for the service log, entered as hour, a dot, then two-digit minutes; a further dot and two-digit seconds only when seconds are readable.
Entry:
12.22
